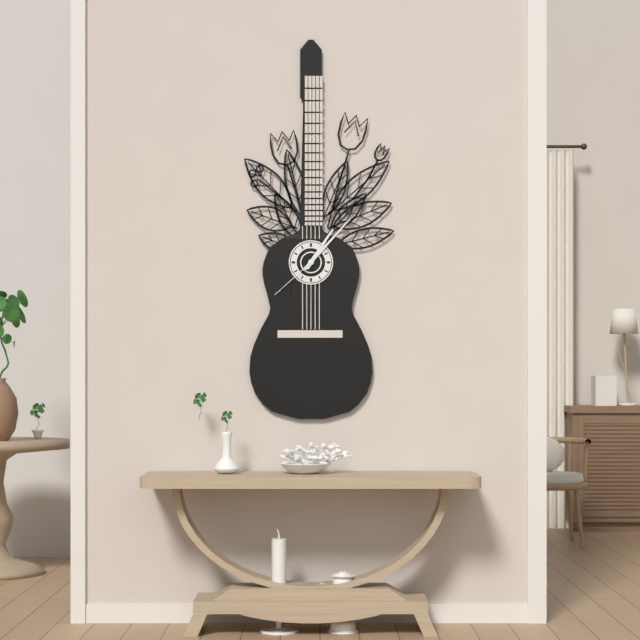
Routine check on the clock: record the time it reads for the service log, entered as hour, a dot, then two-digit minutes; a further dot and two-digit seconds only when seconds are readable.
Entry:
1.07.38
